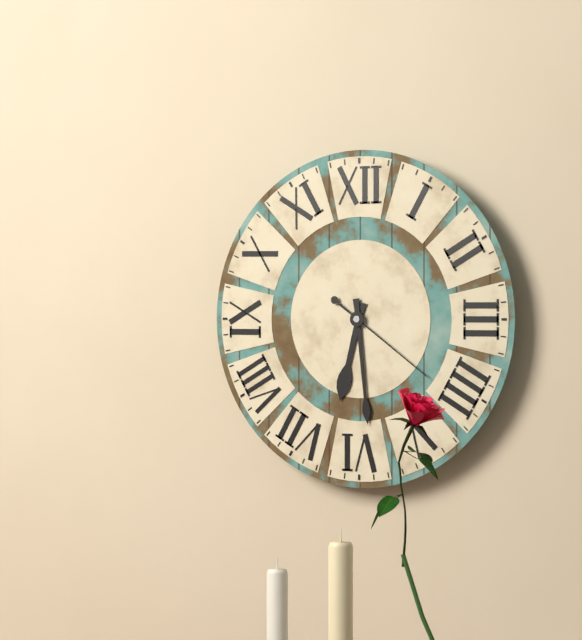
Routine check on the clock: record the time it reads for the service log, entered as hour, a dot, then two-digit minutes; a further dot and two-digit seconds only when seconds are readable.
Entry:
6.29.21
